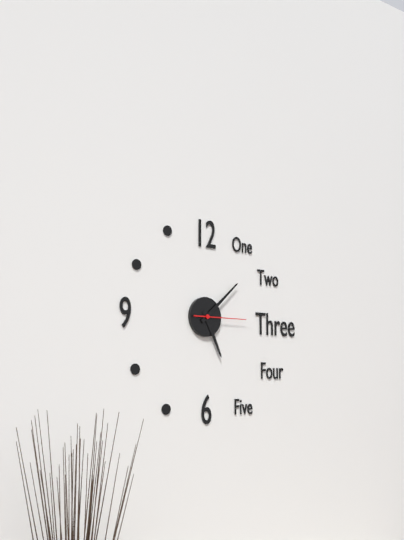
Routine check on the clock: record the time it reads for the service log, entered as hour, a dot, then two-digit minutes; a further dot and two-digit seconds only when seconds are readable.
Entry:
5.08
